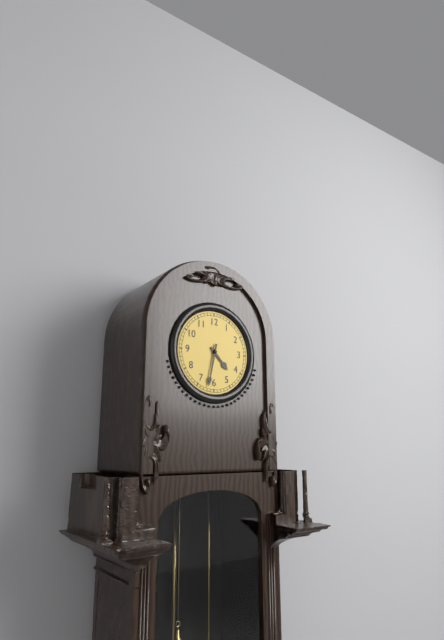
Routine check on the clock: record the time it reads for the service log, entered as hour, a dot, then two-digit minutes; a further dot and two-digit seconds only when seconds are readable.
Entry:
4.32
